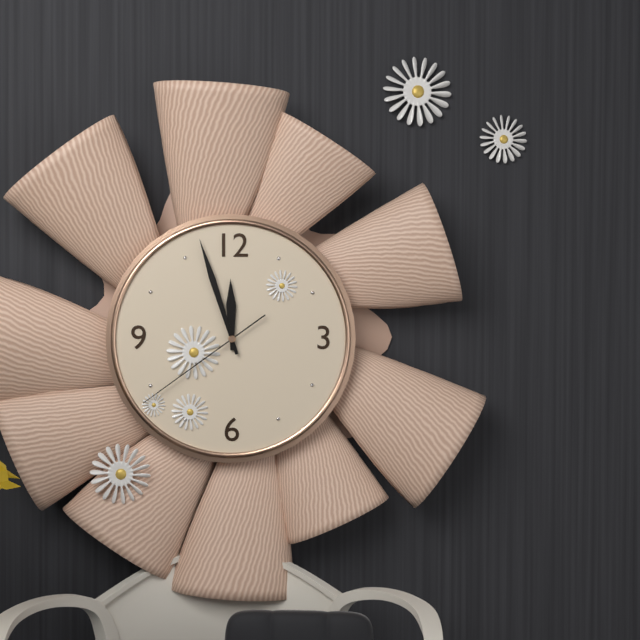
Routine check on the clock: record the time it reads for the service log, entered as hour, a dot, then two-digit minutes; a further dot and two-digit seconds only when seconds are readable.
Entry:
11.57.39
